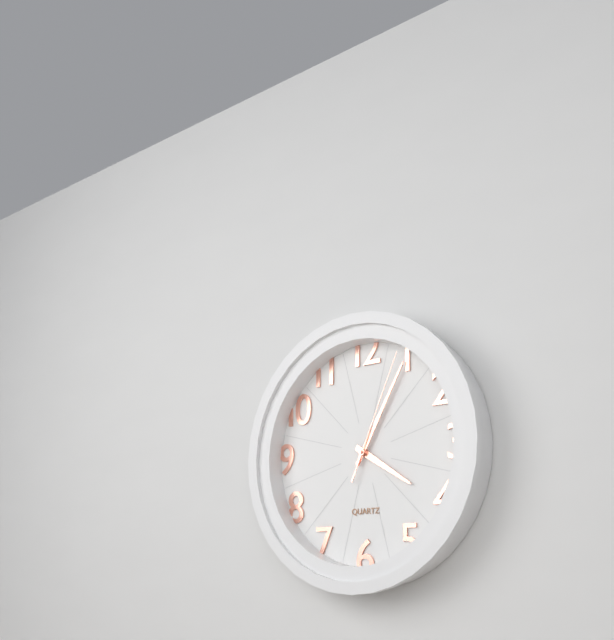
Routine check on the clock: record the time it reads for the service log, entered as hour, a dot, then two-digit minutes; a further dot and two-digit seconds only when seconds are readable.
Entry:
4.05.04
